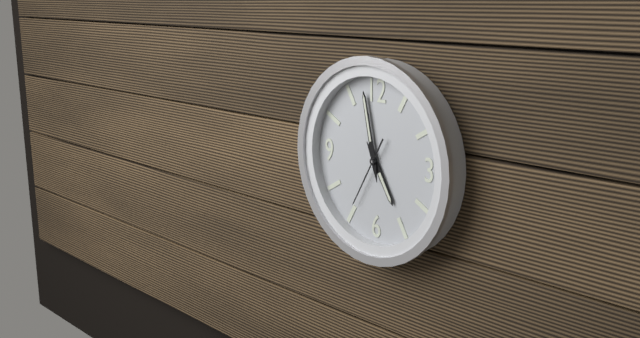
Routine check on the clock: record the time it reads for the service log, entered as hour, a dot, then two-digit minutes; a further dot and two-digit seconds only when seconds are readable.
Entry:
4.58.35
